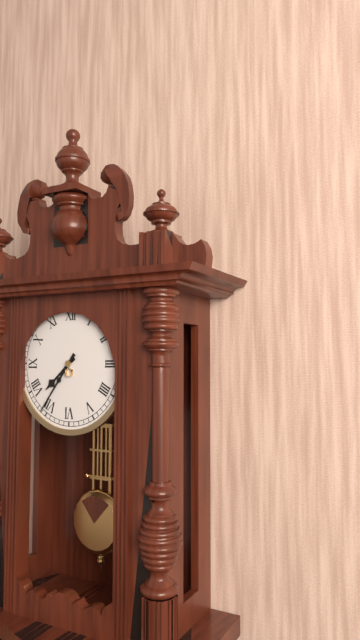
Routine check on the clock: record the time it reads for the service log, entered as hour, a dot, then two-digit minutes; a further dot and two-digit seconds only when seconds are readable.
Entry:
7.36
